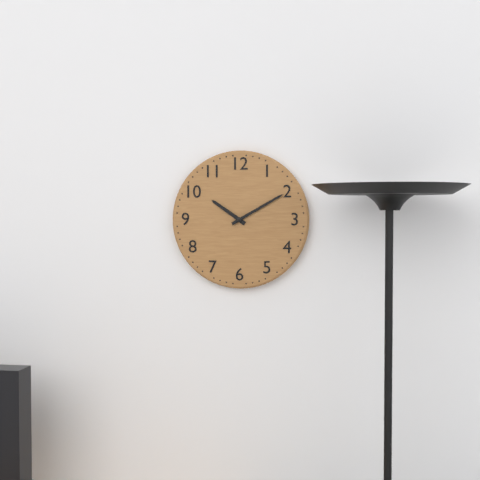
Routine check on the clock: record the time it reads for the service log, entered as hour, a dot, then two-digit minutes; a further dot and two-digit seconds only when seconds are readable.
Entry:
10.10
